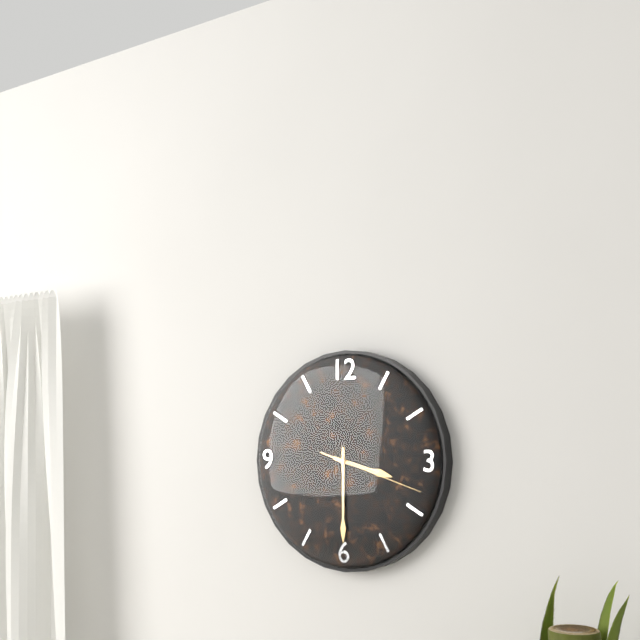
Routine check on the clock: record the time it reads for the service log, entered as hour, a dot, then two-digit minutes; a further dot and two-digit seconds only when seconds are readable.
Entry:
3.30.18
